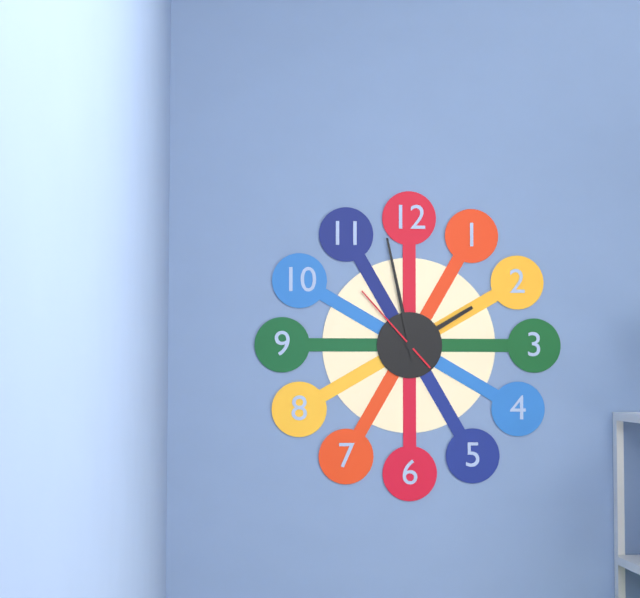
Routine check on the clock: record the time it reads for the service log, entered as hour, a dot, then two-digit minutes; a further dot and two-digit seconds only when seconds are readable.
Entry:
1.58.53
